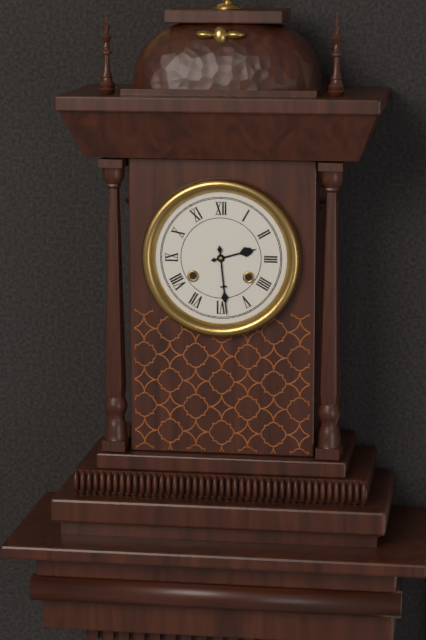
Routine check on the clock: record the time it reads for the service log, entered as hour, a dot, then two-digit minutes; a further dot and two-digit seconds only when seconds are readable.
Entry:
2.29
